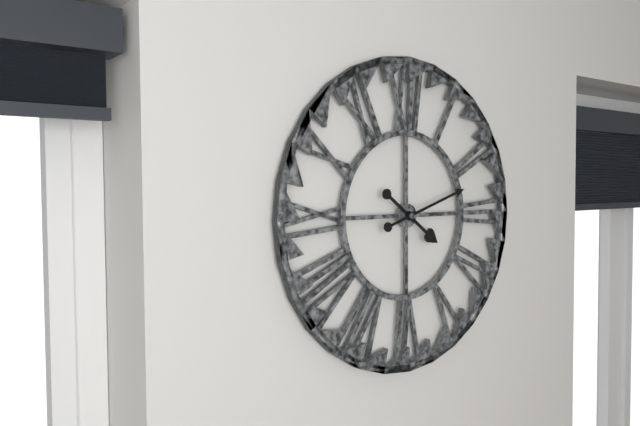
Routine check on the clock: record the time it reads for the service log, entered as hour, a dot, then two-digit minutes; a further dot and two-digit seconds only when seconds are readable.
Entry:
4.12
